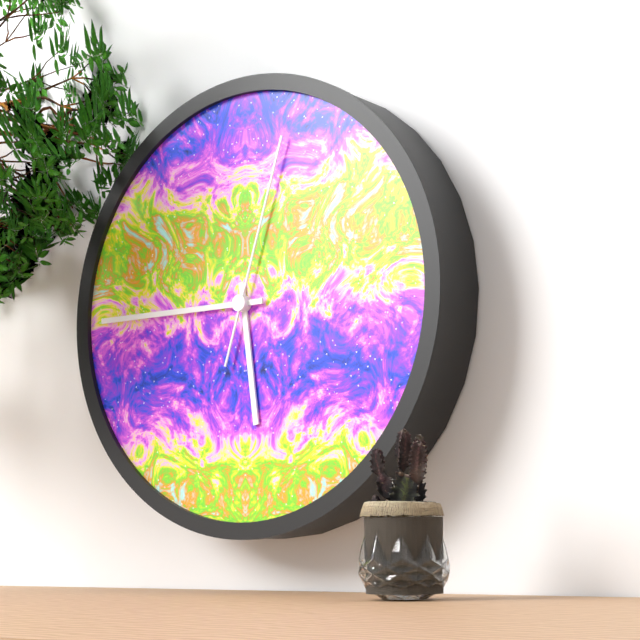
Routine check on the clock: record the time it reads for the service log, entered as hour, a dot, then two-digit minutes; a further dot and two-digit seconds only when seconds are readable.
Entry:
5.45.03
